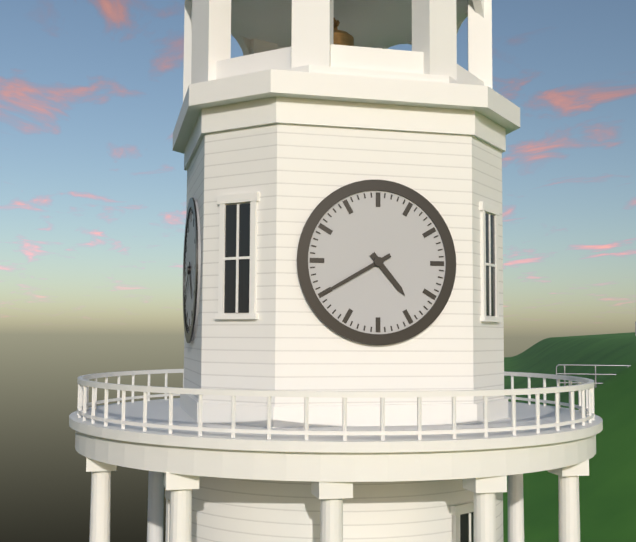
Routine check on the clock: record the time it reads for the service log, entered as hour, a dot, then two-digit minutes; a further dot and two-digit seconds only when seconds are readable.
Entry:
4.40
